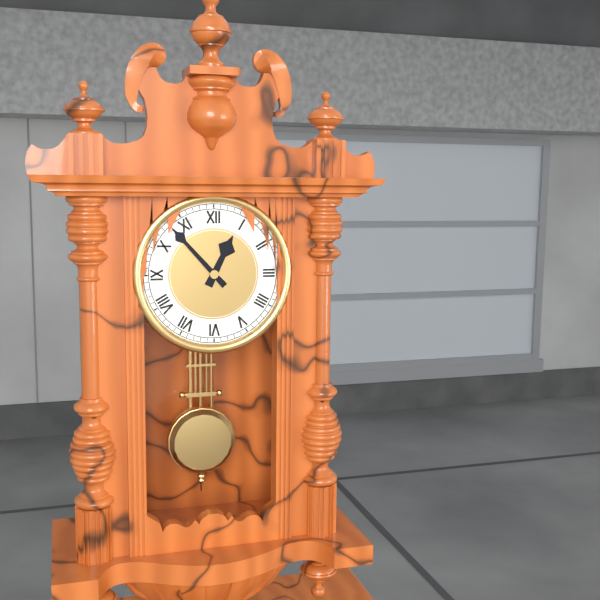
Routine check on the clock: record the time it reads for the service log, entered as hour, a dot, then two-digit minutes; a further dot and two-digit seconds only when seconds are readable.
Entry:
12.53
